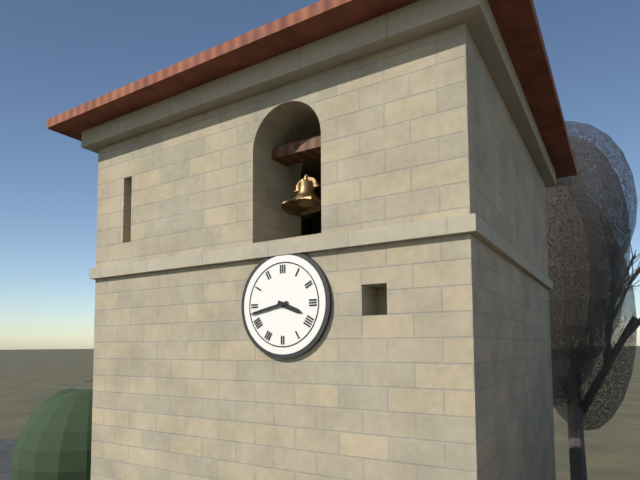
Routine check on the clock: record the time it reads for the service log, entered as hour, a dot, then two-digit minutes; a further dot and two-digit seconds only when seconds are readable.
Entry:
3.43
